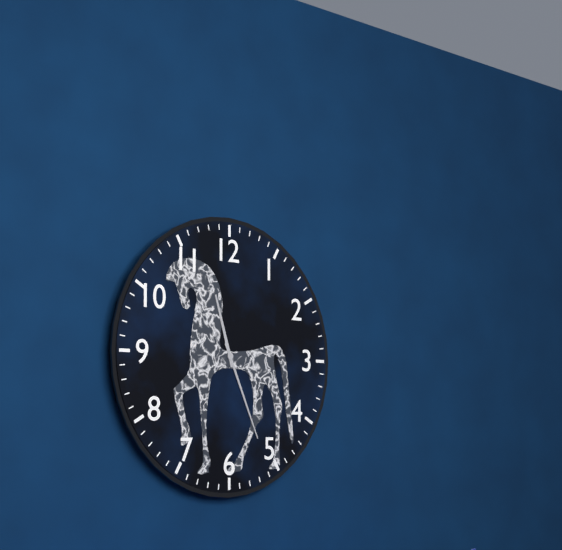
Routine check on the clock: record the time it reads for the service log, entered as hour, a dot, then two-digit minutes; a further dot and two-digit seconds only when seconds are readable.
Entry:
11.26
